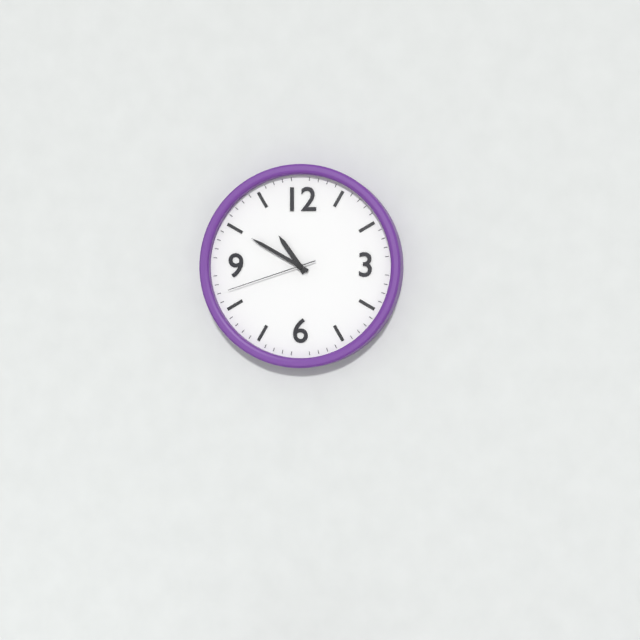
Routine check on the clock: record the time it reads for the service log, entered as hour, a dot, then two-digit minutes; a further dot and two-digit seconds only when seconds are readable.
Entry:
10.50.42
